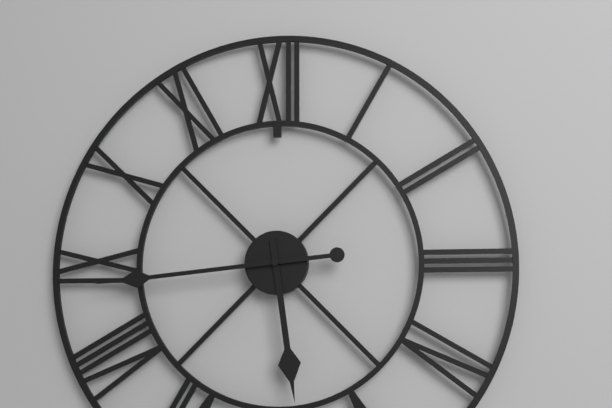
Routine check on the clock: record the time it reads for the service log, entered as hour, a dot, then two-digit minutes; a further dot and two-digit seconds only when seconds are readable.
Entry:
5.44
